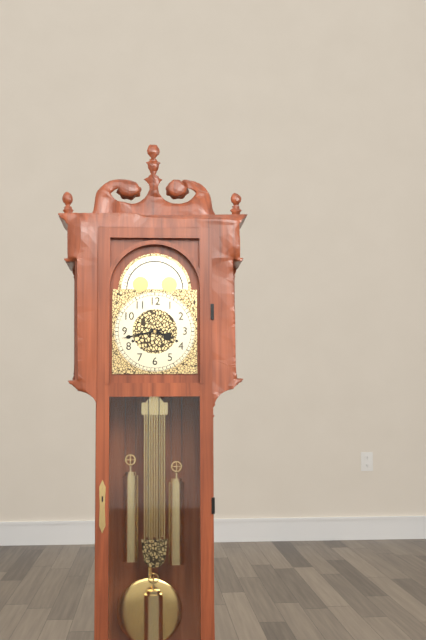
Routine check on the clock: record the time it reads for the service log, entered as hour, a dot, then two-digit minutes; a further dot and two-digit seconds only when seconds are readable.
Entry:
3.43
